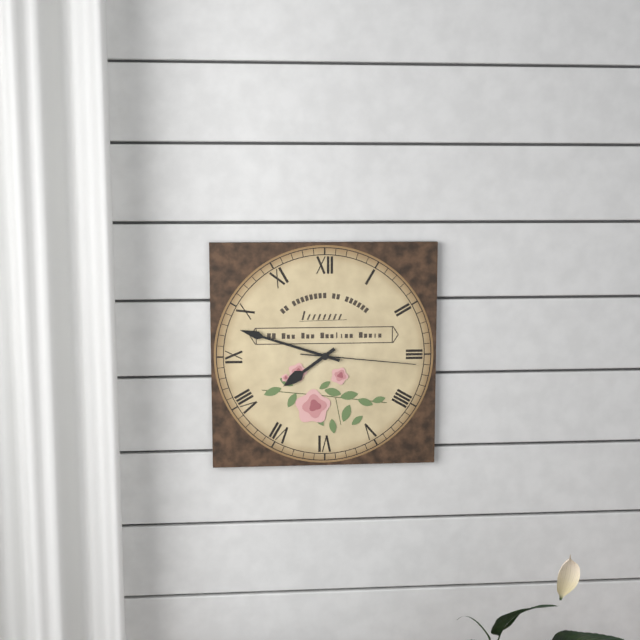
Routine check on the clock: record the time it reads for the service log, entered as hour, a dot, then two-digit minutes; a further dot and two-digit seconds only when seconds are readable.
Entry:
7.48.16
